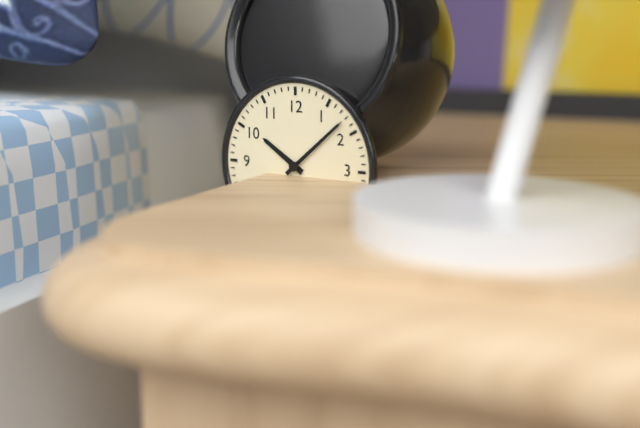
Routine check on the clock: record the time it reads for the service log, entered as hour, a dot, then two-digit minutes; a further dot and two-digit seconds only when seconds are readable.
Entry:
10.08
